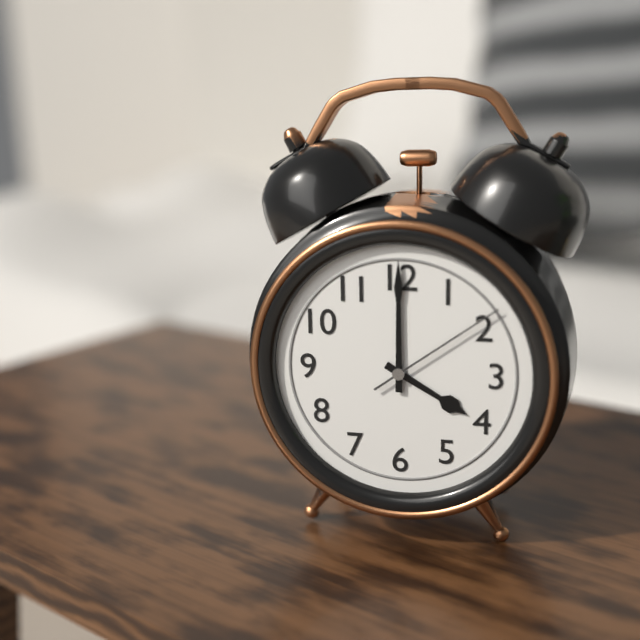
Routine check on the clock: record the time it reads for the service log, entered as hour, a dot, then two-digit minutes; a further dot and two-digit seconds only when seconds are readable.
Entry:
4.00.09
